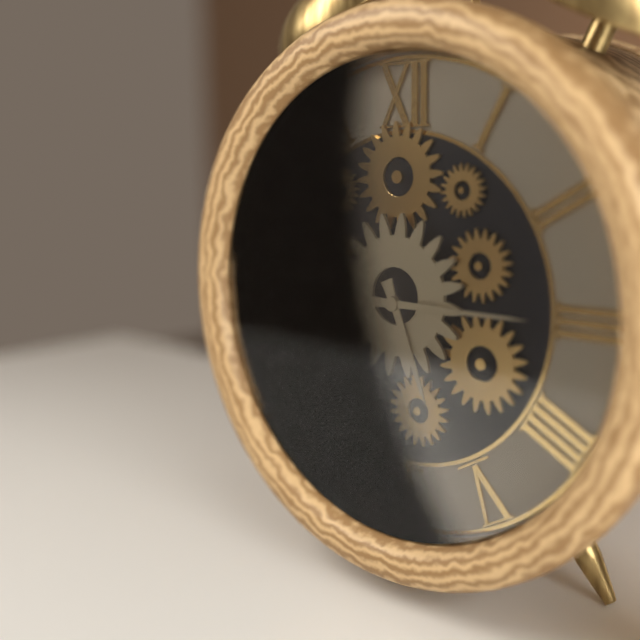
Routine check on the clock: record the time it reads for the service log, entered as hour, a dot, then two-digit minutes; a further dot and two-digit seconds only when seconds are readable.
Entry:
5.15
